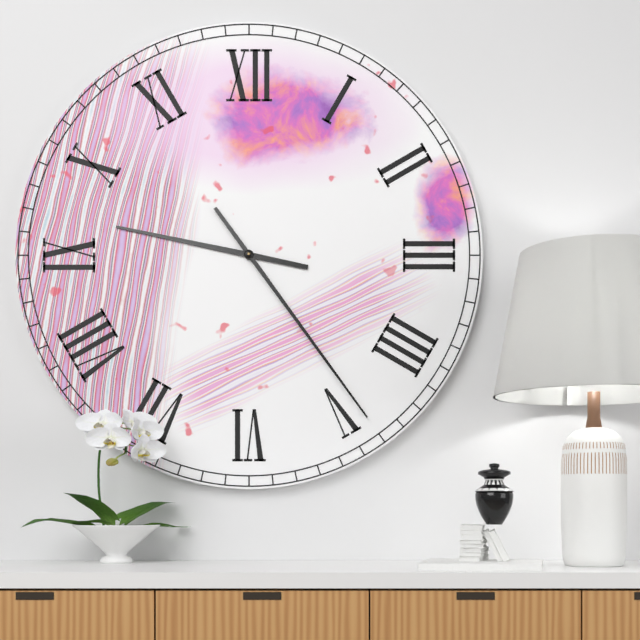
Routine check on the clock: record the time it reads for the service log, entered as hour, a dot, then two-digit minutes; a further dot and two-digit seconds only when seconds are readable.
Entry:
9.24
